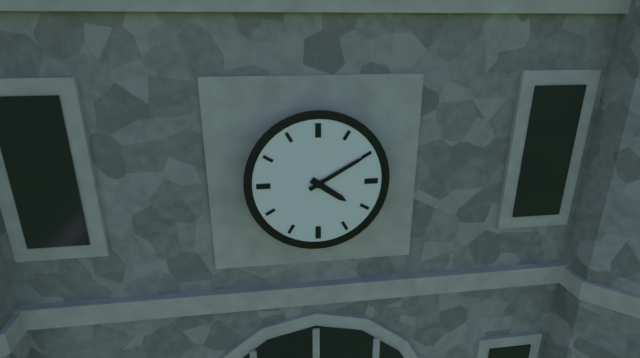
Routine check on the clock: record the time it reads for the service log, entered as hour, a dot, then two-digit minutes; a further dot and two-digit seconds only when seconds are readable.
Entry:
4.10
